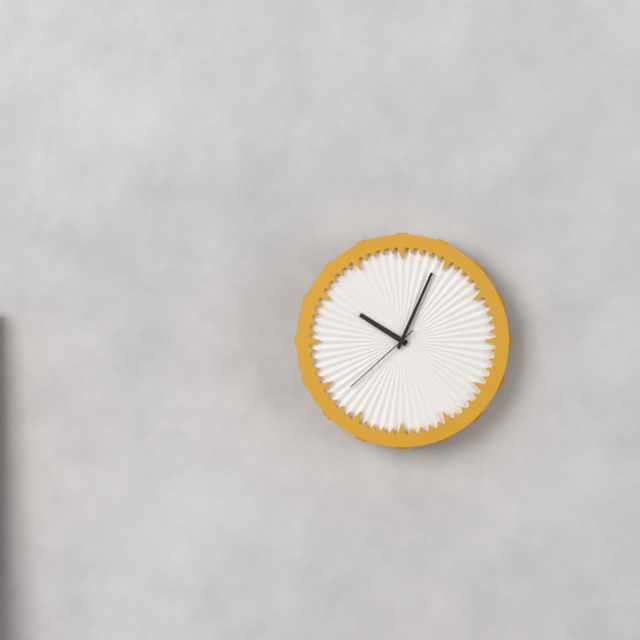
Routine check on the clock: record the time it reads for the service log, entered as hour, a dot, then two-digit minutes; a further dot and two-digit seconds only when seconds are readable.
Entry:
10.04.38
